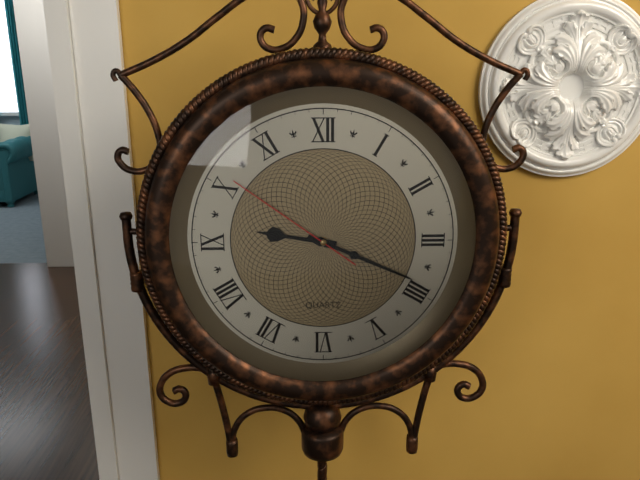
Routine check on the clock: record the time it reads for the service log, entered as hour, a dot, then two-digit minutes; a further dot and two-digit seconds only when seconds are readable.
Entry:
9.19.51
